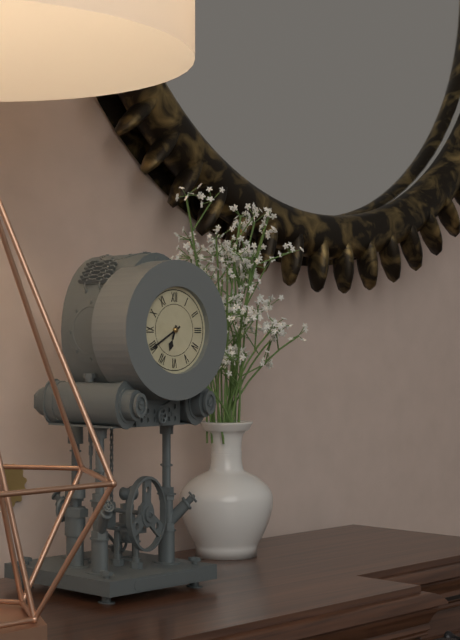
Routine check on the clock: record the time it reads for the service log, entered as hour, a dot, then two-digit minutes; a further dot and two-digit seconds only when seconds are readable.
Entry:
6.40
